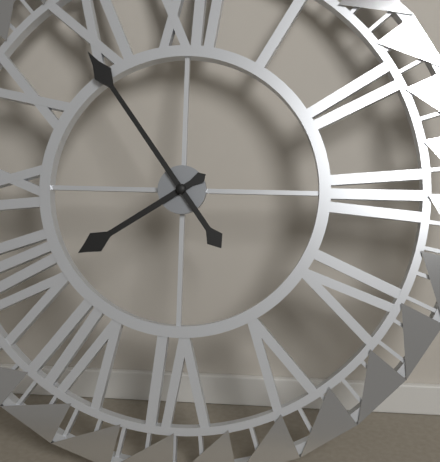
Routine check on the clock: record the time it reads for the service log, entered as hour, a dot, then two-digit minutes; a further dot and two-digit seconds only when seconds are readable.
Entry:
7.54
